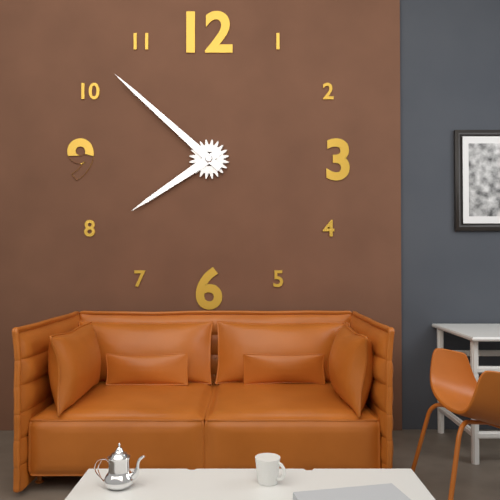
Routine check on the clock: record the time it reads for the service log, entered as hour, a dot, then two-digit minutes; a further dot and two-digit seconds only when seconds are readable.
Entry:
7.52
